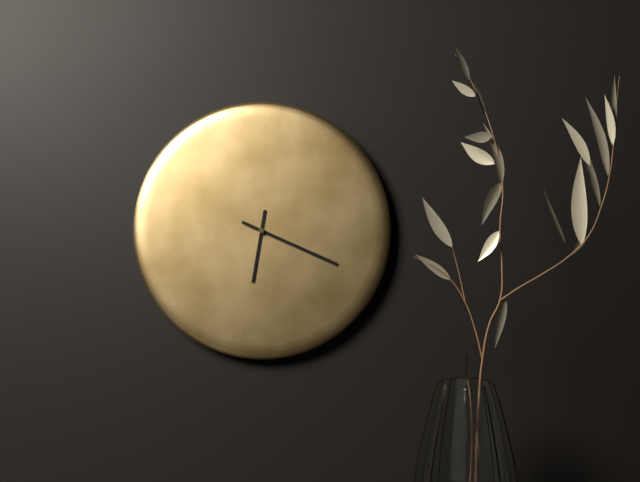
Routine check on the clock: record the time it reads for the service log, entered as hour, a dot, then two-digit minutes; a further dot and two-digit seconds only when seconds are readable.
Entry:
6.19
